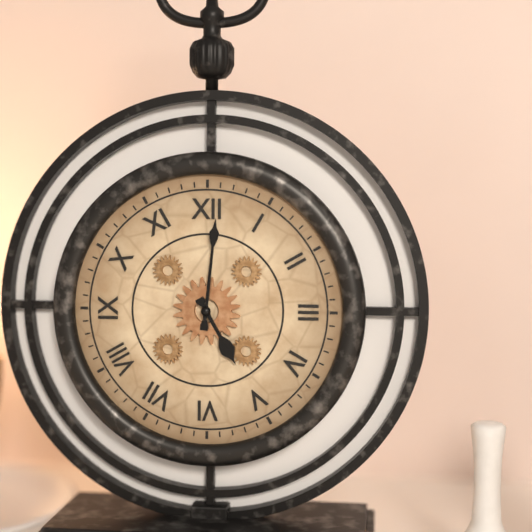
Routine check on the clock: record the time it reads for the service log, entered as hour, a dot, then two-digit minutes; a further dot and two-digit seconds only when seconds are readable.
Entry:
5.01
